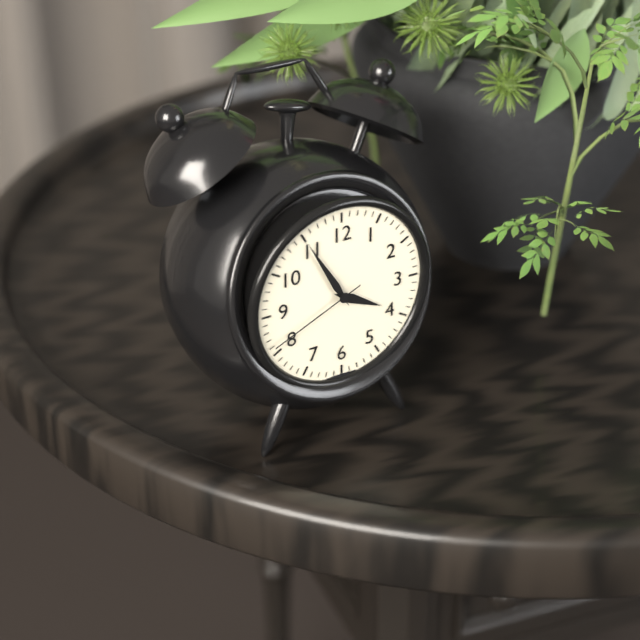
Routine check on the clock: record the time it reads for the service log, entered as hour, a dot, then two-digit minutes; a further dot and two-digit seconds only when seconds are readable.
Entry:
3.55.41
